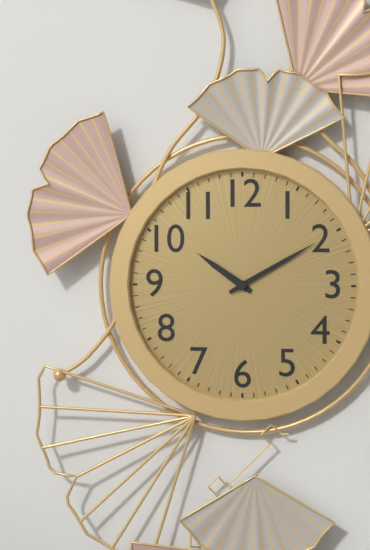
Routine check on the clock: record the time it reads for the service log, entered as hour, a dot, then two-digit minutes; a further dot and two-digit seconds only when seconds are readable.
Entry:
10.10
